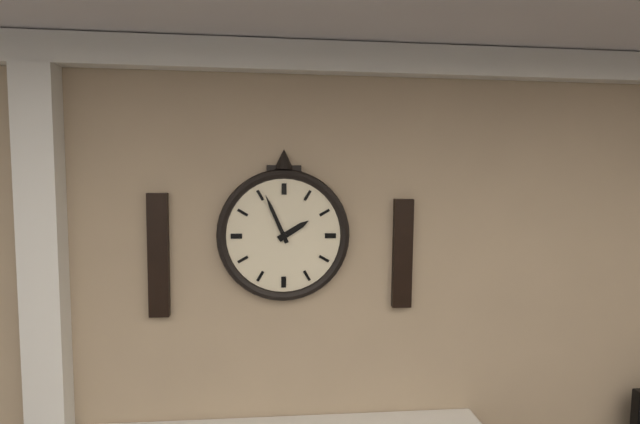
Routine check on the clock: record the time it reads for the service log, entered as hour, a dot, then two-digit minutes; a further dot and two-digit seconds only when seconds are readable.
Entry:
1.56
